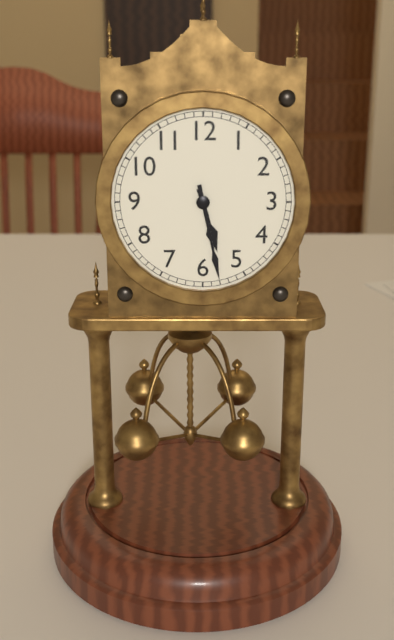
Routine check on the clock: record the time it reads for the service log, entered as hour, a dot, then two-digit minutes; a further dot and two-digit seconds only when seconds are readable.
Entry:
5.28
